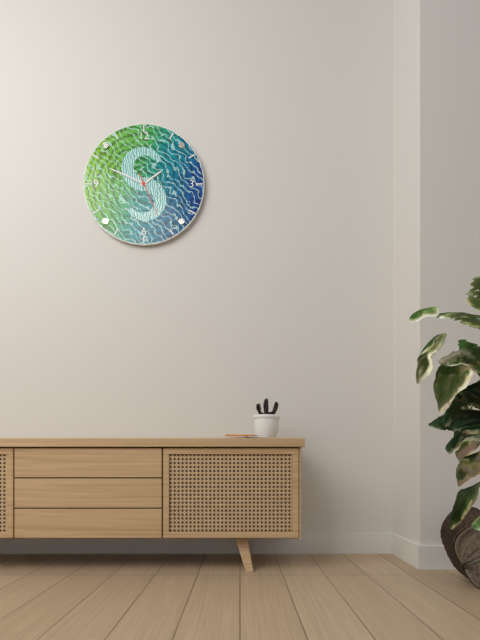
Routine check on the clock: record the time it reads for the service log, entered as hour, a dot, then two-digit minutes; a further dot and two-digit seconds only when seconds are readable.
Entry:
1.49
